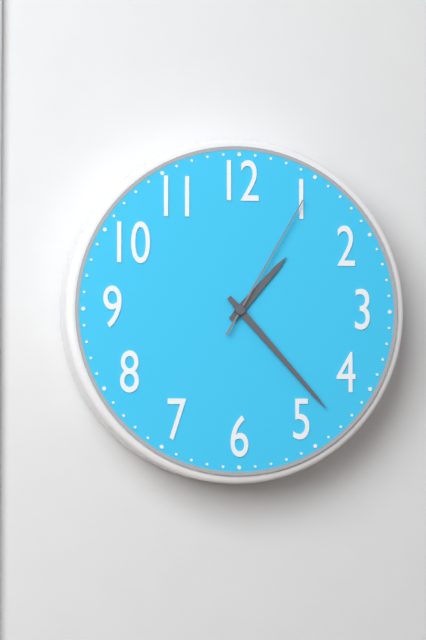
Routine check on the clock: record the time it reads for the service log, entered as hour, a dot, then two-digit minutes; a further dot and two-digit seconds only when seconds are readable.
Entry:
1.23.05
